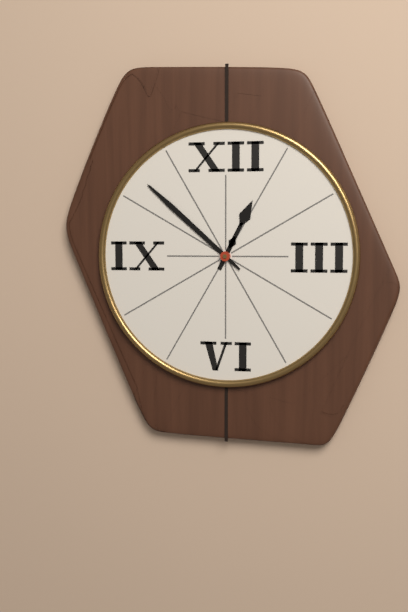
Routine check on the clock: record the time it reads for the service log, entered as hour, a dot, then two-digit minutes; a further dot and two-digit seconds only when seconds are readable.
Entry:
12.52
